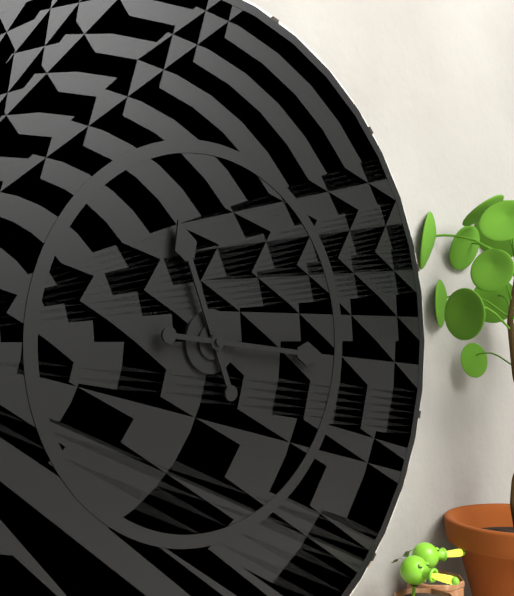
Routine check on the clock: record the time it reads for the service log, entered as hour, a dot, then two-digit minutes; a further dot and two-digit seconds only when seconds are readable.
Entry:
11.16
